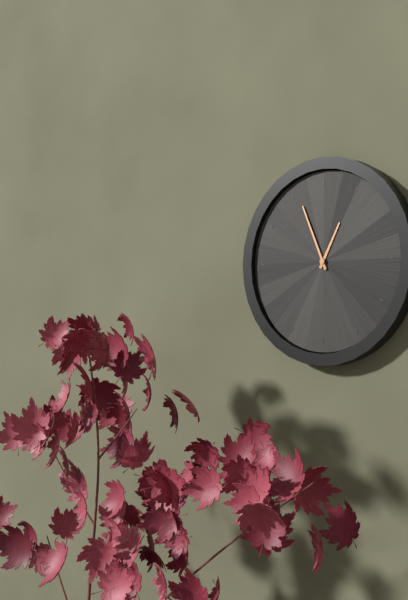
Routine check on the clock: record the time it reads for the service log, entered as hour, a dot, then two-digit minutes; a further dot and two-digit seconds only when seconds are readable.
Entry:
12.56
